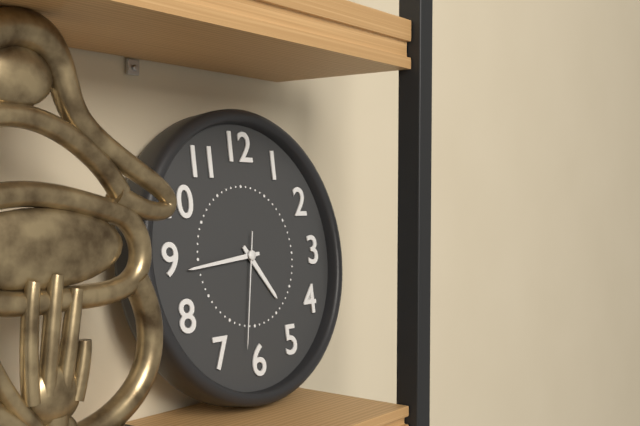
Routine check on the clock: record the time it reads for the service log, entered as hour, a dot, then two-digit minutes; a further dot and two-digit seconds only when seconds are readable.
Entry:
4.44.32
